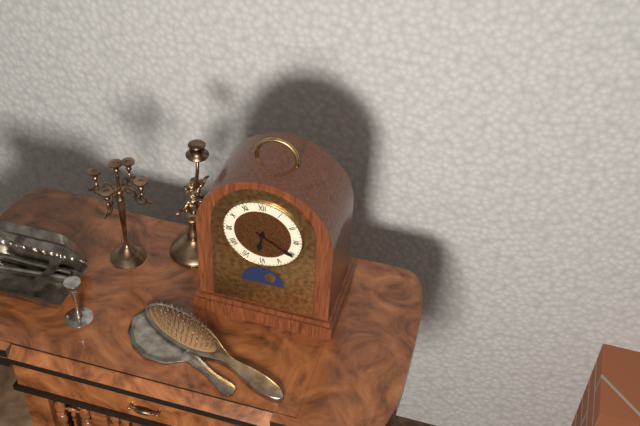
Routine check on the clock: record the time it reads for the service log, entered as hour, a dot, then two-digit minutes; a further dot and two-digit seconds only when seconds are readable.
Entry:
6.20
